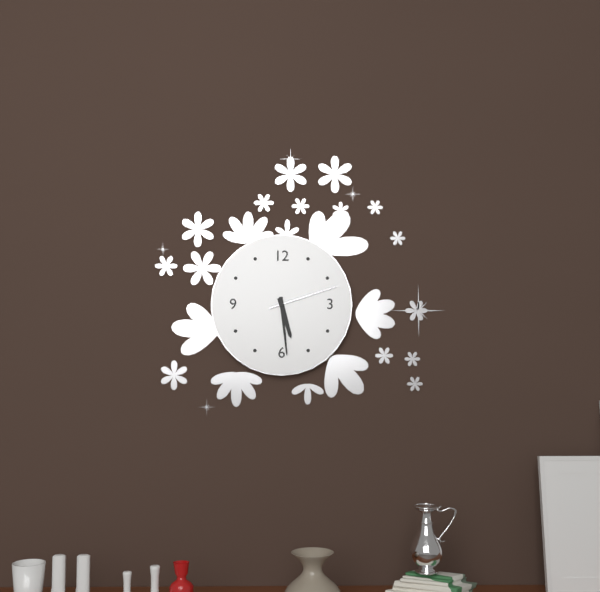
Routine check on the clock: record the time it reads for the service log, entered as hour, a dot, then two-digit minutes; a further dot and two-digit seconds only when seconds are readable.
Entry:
5.29.12
